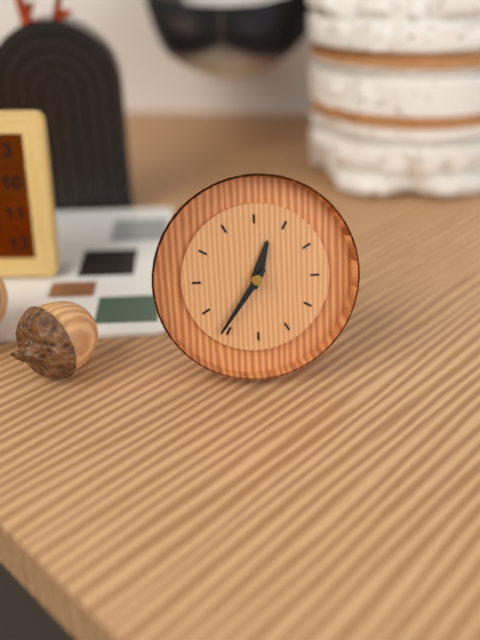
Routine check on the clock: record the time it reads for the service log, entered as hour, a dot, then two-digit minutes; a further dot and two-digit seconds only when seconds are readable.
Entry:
12.36
